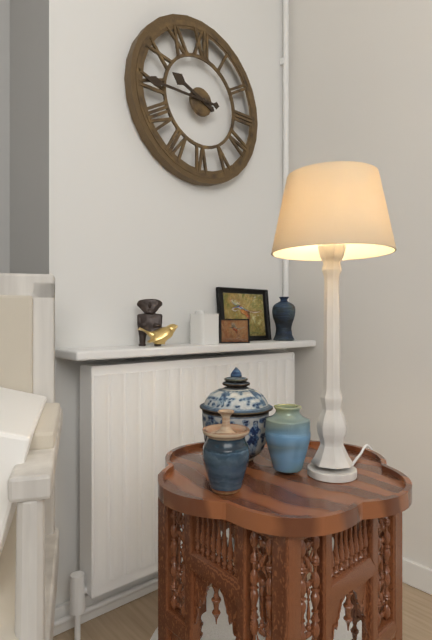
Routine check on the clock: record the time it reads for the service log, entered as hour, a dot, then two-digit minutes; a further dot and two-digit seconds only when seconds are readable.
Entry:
9.45
